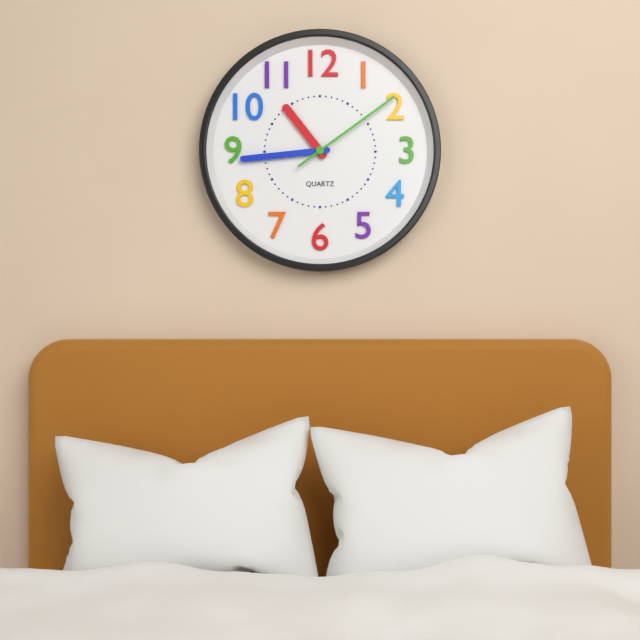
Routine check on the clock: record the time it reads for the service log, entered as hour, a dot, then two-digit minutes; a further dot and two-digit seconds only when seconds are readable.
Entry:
10.44.09
